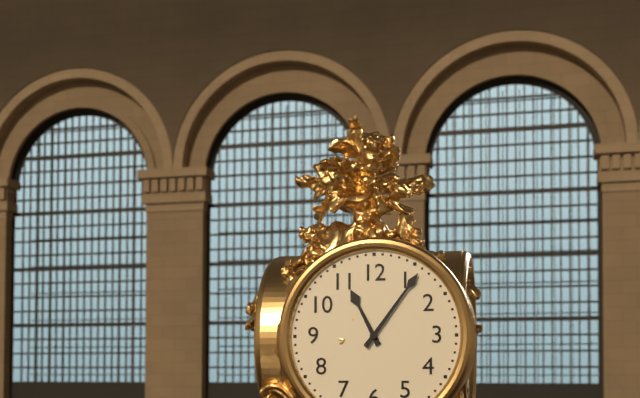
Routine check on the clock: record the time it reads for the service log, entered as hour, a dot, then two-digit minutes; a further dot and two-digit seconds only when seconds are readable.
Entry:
11.06
